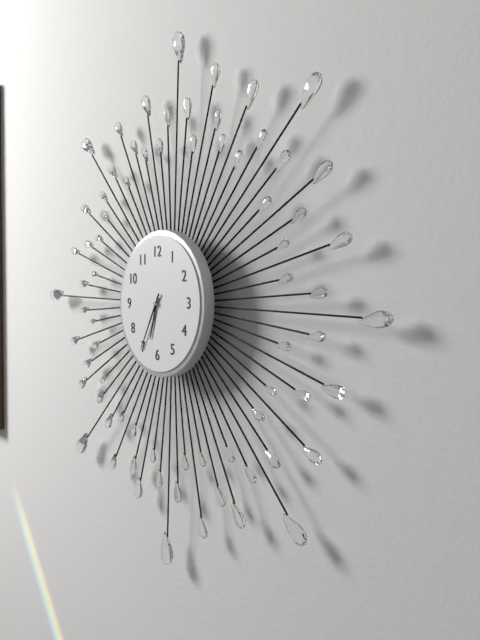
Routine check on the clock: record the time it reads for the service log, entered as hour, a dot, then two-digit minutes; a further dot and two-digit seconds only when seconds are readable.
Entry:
6.35
